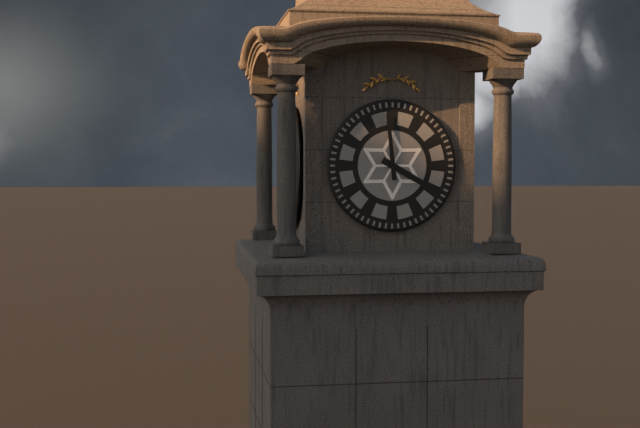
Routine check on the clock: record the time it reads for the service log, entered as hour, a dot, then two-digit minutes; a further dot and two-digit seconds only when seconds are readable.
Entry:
3.59
